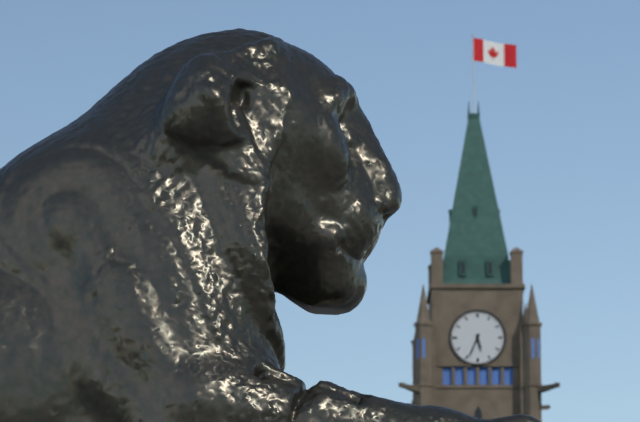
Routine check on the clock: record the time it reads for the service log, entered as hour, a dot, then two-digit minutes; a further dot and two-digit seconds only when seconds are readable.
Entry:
5.34
